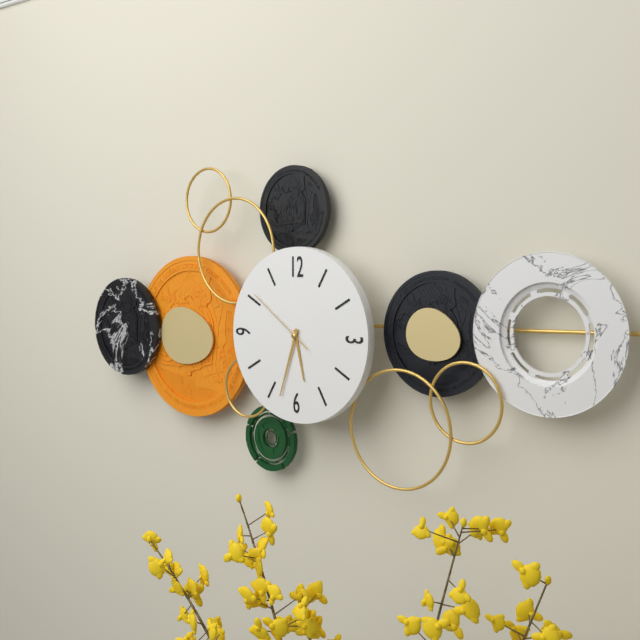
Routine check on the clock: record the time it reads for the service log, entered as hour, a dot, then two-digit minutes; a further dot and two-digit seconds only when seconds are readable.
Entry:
5.33.51
